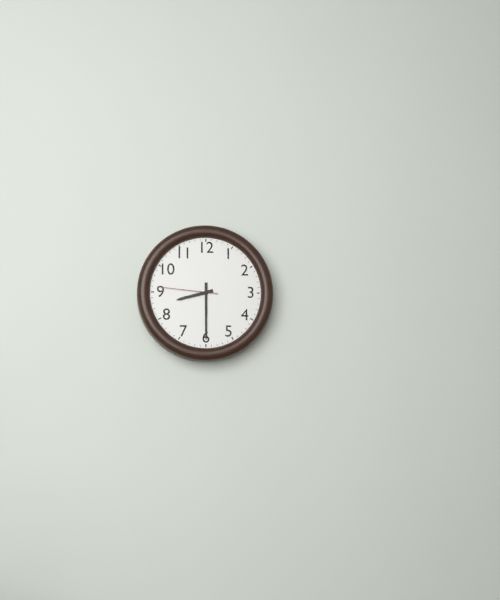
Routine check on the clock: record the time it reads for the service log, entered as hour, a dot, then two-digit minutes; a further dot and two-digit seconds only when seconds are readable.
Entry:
8.30.46
